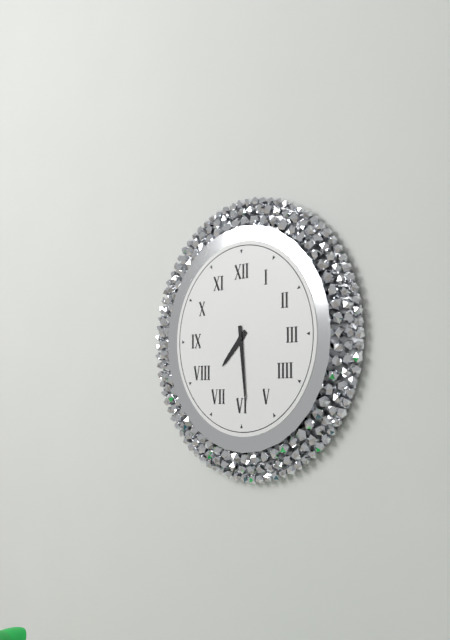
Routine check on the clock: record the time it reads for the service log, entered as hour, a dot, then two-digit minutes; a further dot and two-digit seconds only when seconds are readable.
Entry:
7.29
